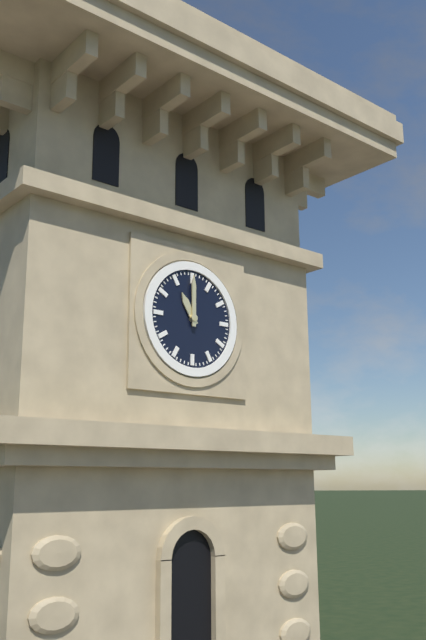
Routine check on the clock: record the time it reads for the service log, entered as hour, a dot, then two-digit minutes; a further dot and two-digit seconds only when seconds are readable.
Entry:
11.00
